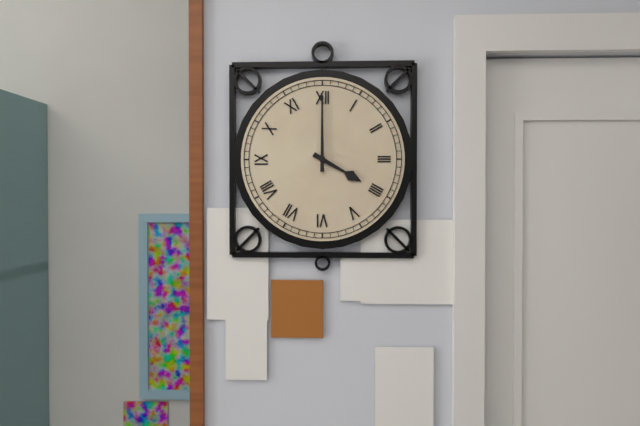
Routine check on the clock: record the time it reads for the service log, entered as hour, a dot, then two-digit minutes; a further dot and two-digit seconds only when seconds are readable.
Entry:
4.00
